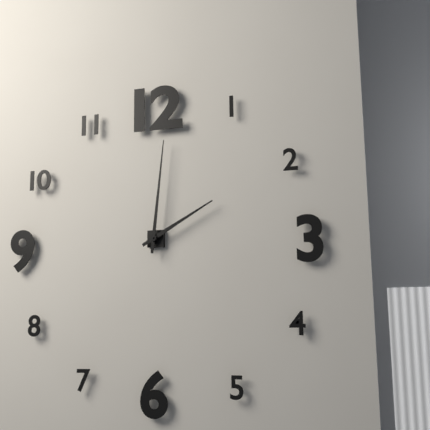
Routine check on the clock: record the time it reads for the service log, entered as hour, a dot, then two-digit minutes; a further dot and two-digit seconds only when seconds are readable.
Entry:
2.01
